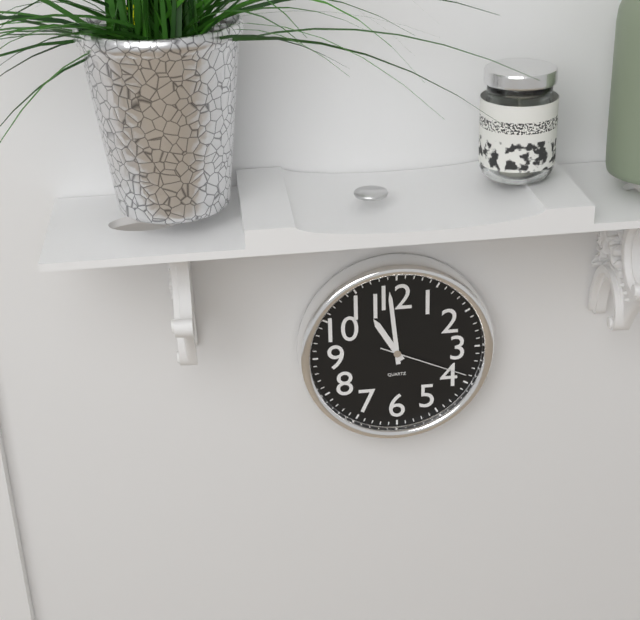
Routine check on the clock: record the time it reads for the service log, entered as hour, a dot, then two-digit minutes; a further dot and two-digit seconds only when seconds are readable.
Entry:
10.59.19
